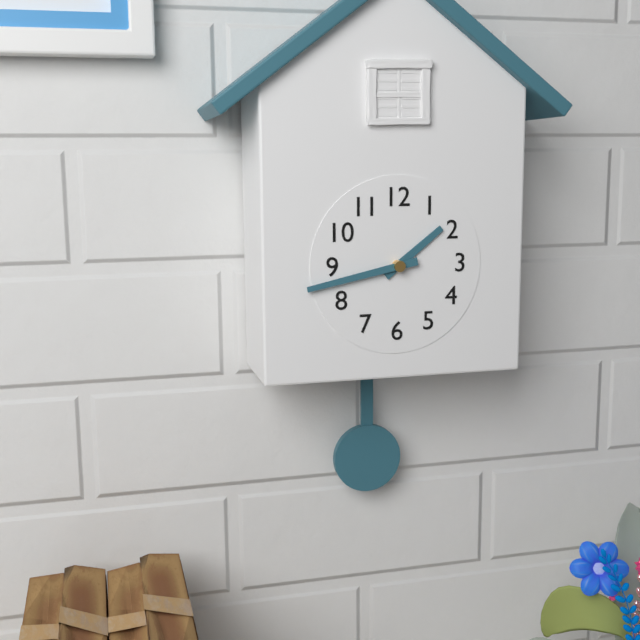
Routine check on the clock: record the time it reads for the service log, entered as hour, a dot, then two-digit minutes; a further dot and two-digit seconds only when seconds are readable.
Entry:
1.43
